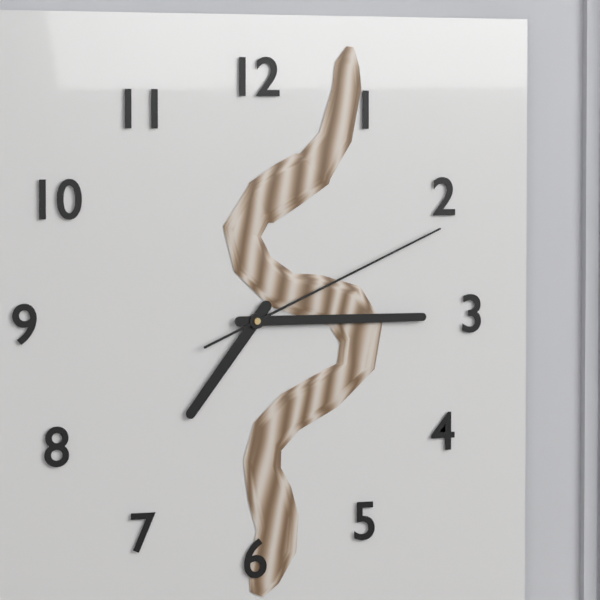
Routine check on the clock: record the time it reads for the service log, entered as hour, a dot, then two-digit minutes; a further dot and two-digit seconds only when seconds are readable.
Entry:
7.15.11
